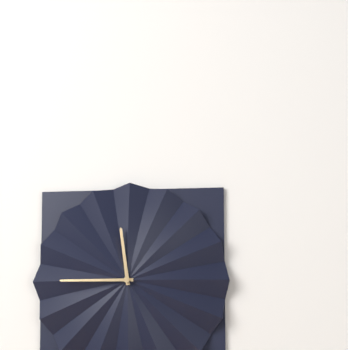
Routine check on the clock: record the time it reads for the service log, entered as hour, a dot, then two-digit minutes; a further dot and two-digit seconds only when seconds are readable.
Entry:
11.45
